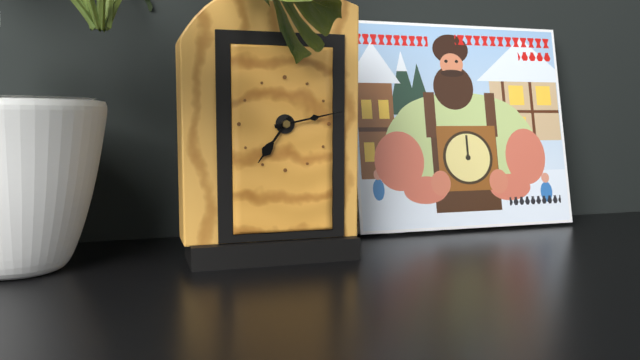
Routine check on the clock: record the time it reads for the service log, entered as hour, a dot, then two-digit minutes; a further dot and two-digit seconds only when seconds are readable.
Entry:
7.13
